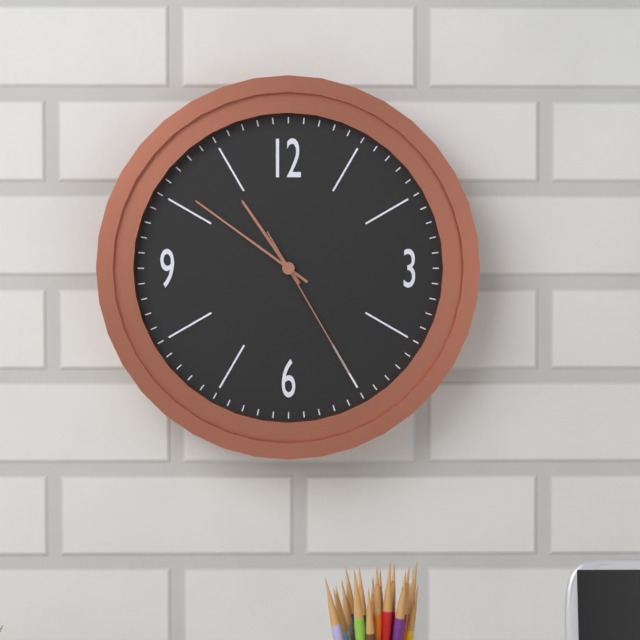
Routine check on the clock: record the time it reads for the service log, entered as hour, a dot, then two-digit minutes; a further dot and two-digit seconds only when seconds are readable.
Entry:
10.51.25
